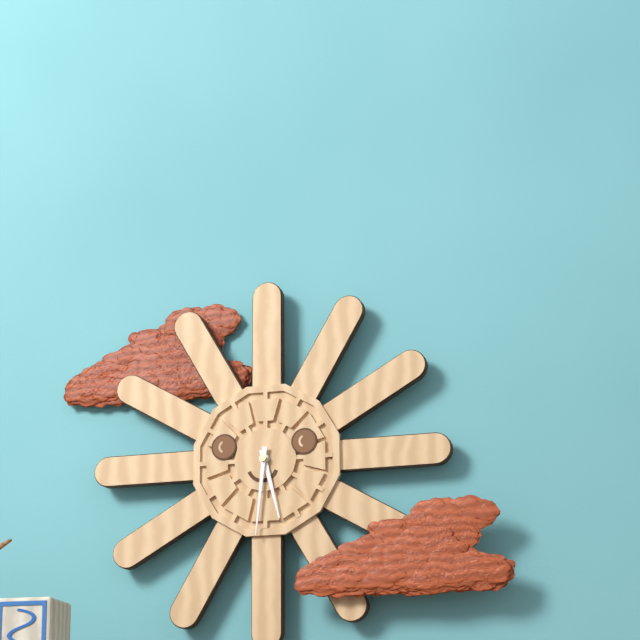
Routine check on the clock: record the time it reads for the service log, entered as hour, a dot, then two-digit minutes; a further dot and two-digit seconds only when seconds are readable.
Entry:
5.31
